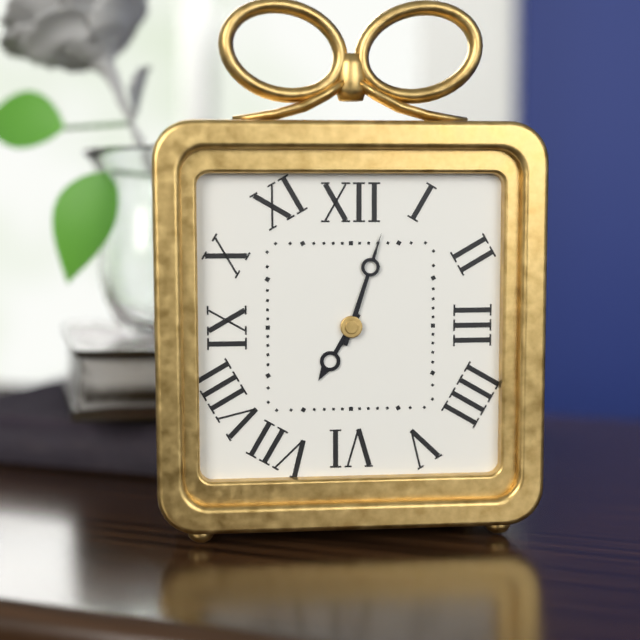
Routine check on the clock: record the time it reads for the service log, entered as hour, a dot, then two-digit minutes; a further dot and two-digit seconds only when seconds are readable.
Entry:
7.03
